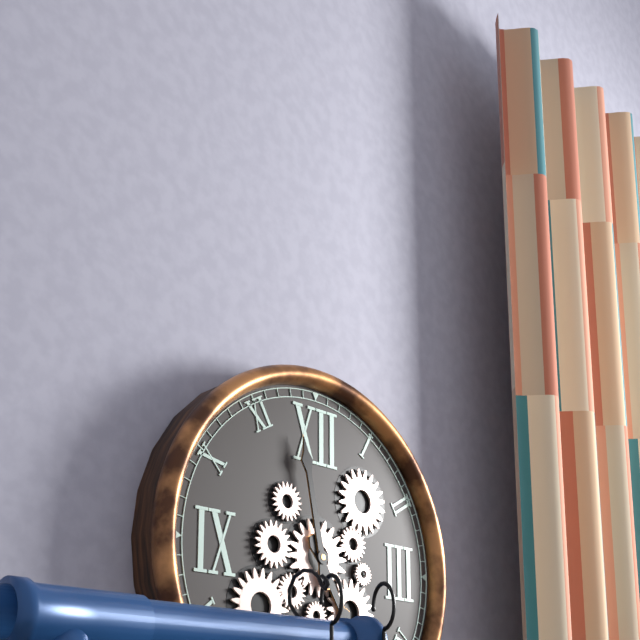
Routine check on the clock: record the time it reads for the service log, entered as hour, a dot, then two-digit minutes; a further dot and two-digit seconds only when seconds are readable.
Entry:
4.58
